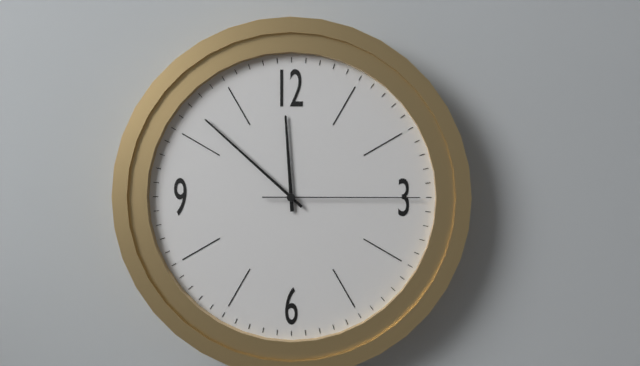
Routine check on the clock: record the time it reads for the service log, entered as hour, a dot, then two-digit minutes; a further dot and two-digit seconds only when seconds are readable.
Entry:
11.52.15
